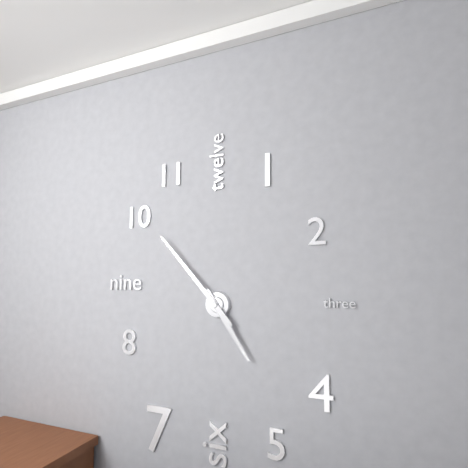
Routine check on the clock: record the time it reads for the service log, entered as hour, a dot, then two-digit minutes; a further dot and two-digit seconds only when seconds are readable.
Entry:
4.53
